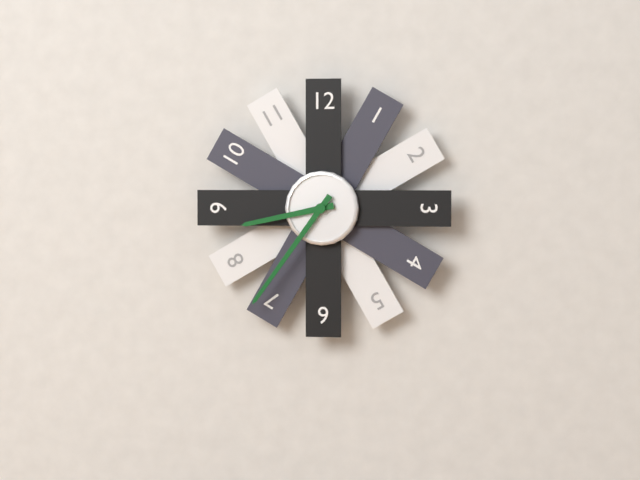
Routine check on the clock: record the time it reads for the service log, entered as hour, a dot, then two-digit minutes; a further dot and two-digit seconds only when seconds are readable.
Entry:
8.36
